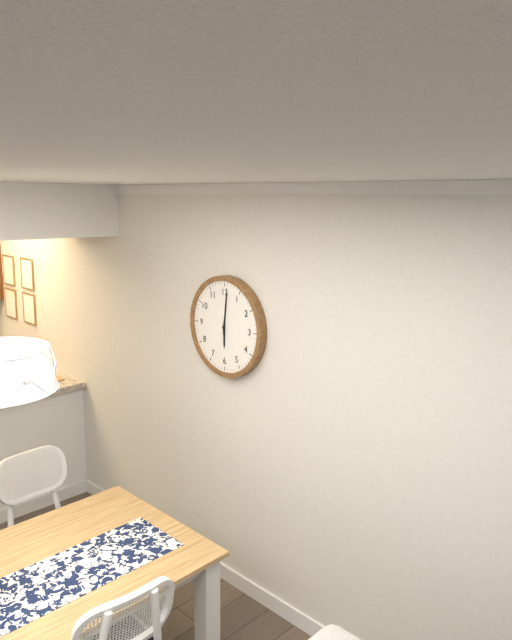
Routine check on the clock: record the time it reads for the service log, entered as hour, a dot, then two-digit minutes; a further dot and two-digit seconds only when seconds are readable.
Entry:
6.01
